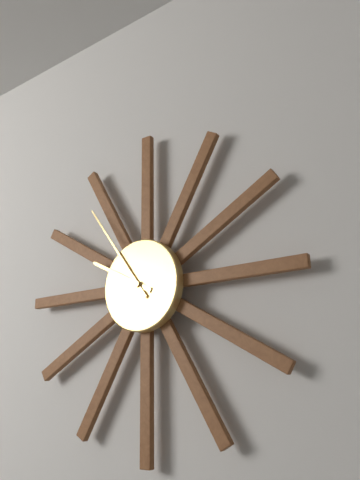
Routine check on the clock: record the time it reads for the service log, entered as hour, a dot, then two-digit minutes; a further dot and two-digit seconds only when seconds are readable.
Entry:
9.54
